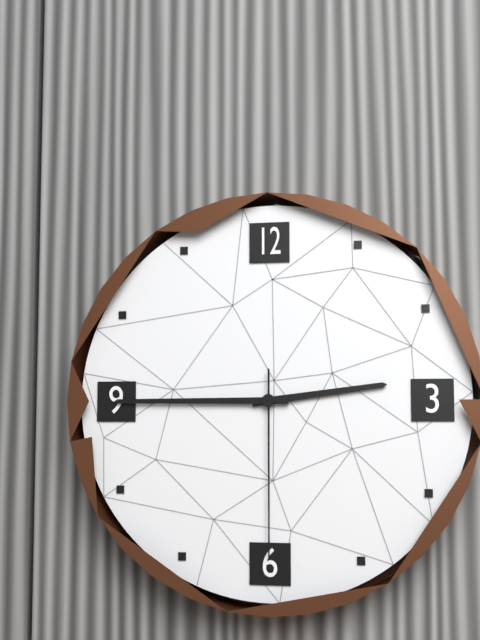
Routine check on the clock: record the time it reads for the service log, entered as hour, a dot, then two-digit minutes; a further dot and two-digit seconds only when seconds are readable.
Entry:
2.45.30
